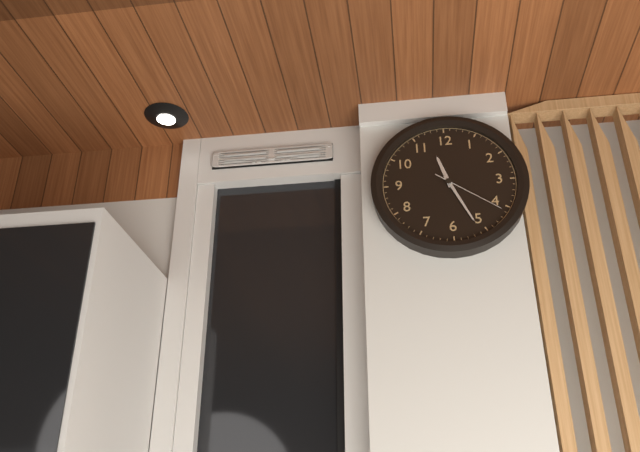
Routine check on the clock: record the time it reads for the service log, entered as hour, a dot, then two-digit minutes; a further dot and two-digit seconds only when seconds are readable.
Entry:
11.26.21
